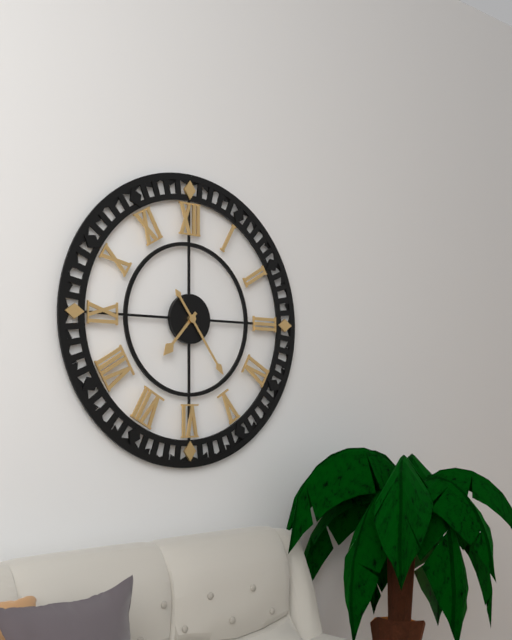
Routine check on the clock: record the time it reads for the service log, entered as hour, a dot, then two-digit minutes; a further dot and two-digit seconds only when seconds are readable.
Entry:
7.24
